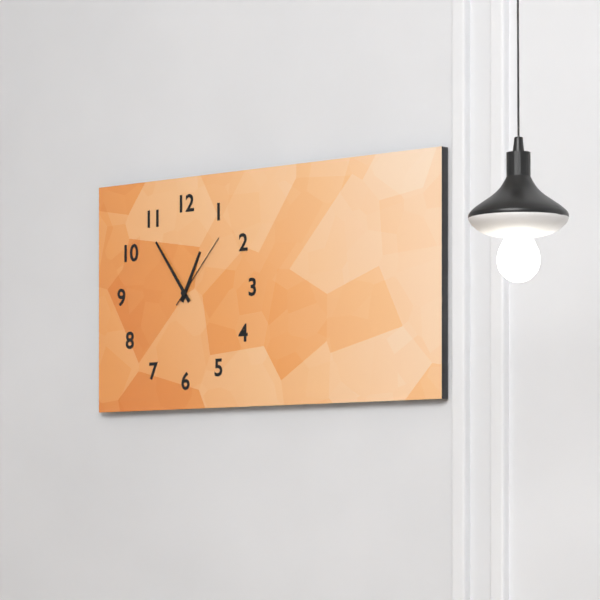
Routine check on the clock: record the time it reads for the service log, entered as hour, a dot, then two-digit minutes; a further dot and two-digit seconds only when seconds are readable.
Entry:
12.54.07
